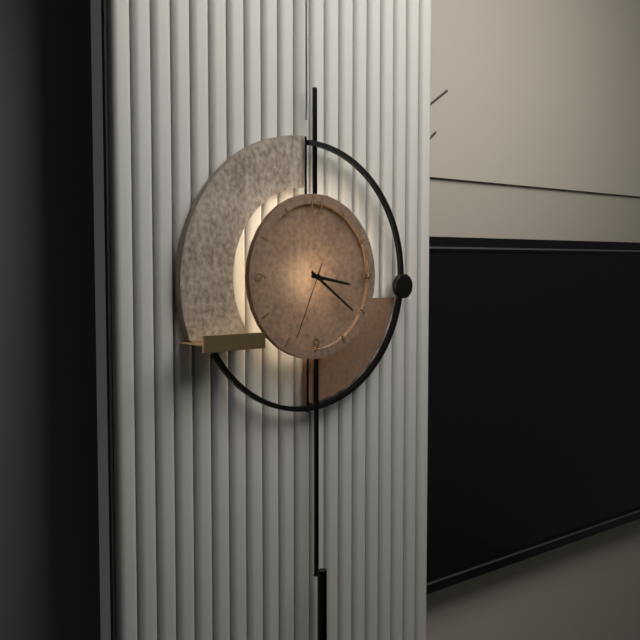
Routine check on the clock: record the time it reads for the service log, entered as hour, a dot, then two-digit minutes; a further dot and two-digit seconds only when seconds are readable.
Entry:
3.21.34
